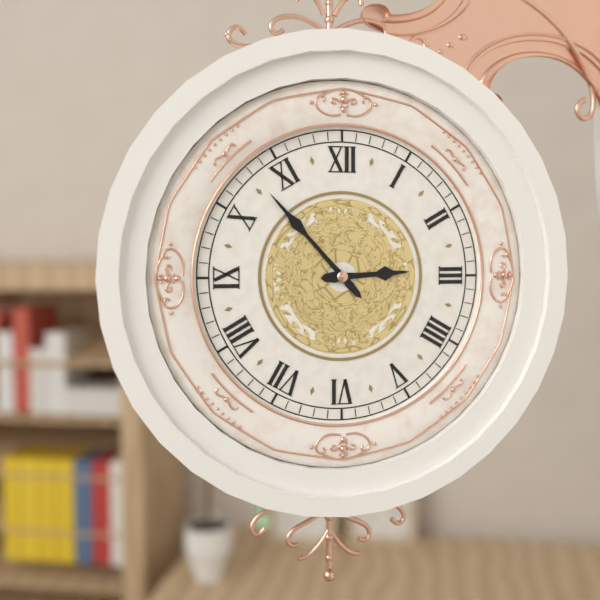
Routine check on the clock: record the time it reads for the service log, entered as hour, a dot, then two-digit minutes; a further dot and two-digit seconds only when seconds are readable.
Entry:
2.53
